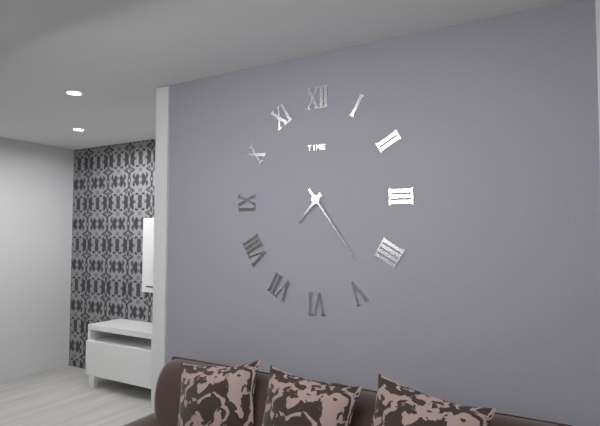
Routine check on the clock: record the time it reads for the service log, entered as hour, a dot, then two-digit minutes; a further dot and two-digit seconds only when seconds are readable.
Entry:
7.24
